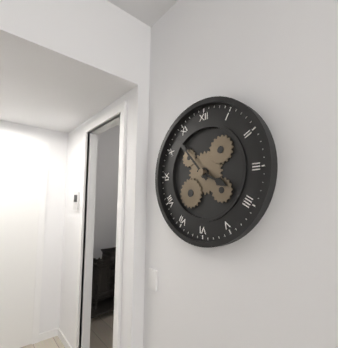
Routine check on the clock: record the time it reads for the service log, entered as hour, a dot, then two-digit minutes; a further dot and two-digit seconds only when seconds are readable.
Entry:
3.53
